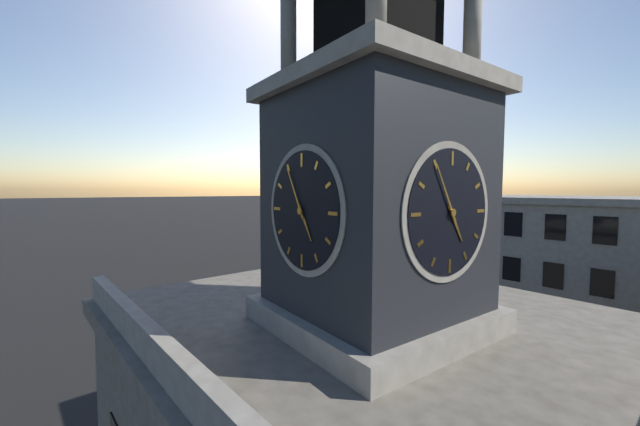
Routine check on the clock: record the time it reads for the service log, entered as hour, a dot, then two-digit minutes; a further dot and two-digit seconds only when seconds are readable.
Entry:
4.55
